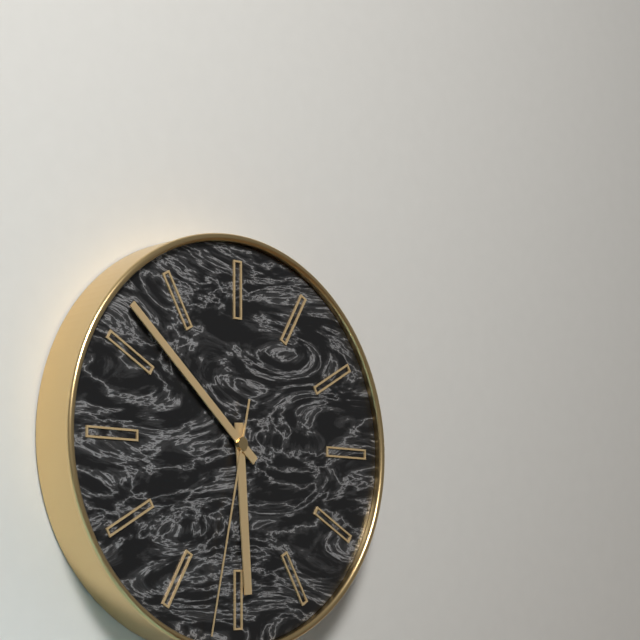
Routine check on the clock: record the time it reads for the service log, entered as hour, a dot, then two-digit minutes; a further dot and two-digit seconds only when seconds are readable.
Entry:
5.52.32
